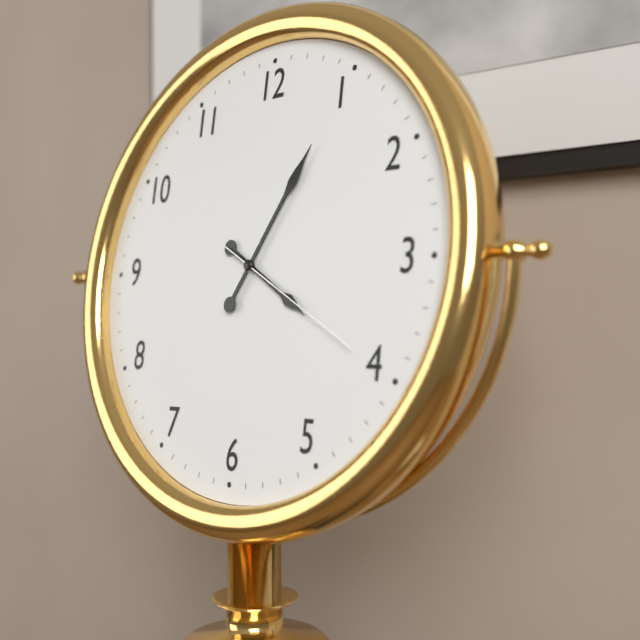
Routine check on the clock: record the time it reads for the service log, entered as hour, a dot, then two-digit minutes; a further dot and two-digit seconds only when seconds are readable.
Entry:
4.05.20
